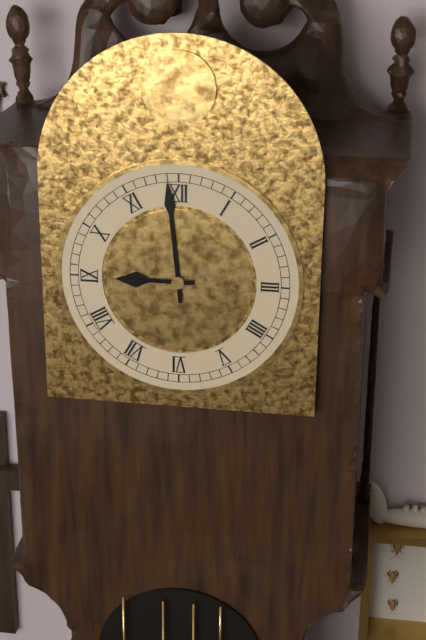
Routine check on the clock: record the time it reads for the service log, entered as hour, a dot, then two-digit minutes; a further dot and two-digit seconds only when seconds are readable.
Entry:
8.59
